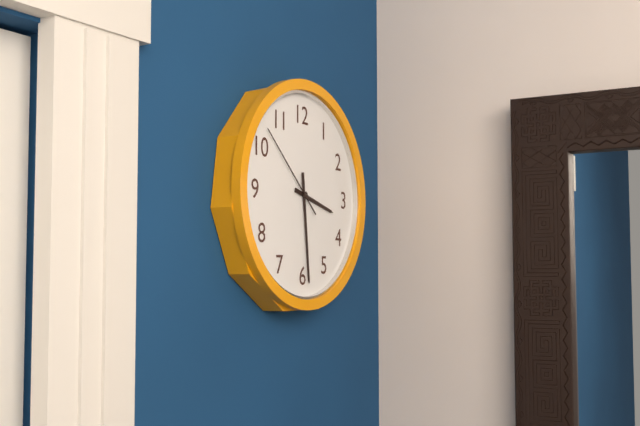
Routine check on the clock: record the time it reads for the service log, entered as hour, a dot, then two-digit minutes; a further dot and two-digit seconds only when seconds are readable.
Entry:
3.29.52
